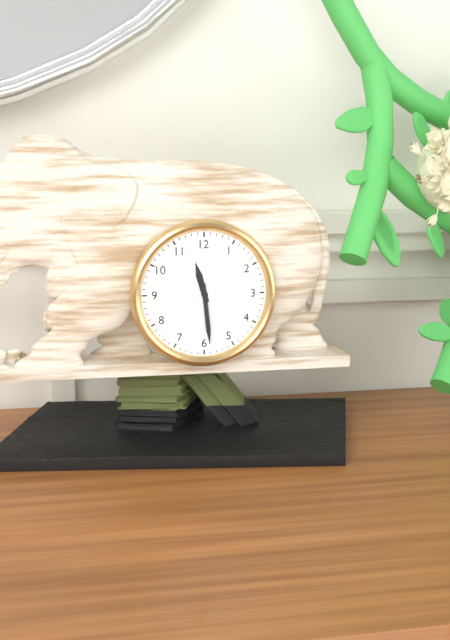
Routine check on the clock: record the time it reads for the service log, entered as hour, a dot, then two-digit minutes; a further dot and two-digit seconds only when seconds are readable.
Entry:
11.29
